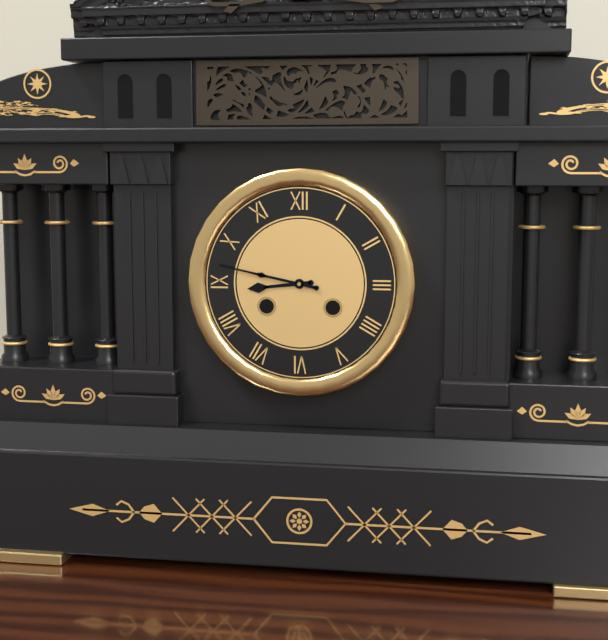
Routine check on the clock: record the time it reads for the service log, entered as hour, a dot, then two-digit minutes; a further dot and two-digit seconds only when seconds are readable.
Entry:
8.47
